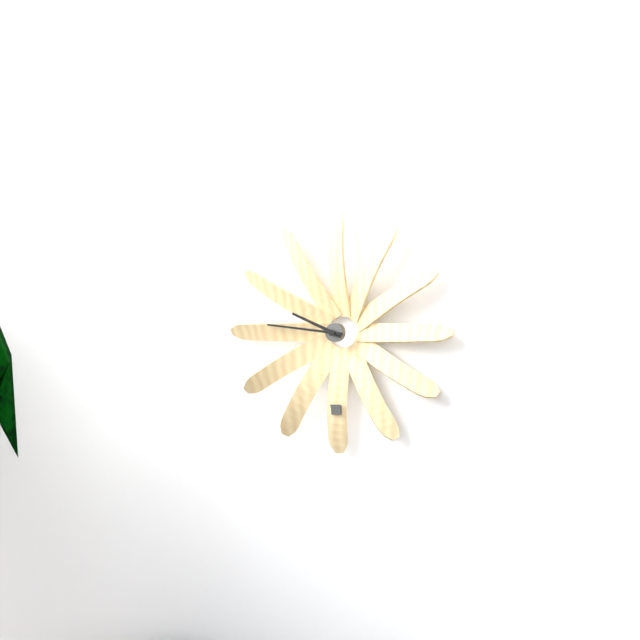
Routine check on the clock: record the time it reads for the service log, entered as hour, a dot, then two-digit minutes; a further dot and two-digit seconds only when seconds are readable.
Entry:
9.46
